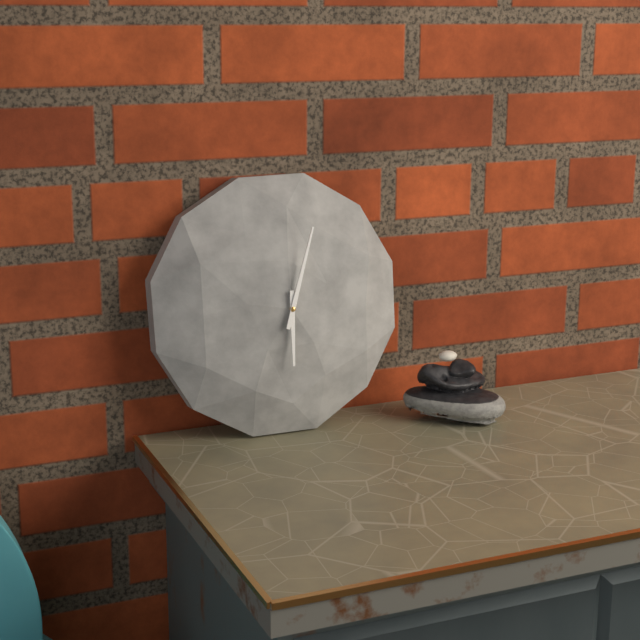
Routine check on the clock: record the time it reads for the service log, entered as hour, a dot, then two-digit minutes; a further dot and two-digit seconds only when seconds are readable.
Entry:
6.03
